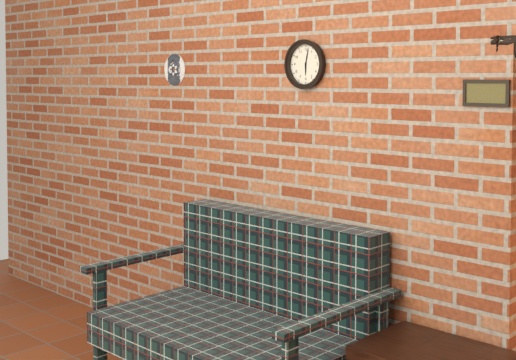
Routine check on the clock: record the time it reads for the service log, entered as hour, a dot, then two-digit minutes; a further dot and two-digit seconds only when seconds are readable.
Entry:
6.02
